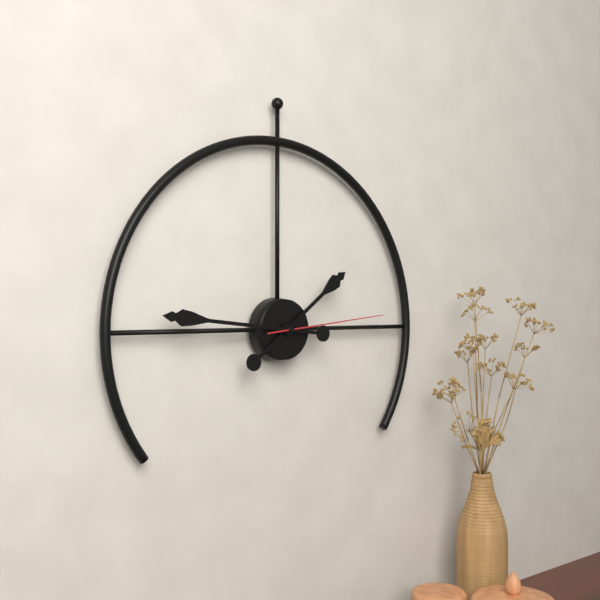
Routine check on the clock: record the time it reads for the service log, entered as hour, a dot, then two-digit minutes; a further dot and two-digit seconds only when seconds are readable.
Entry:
1.46.14
